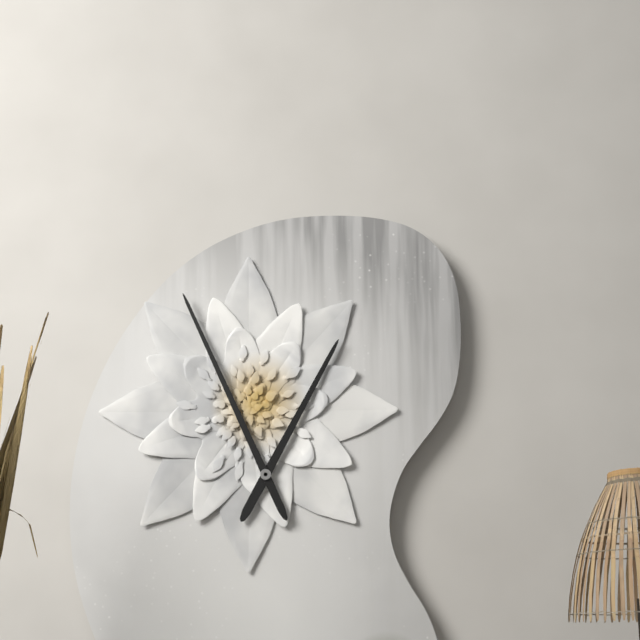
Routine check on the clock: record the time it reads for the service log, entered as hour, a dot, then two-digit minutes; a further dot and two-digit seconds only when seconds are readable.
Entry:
12.56
